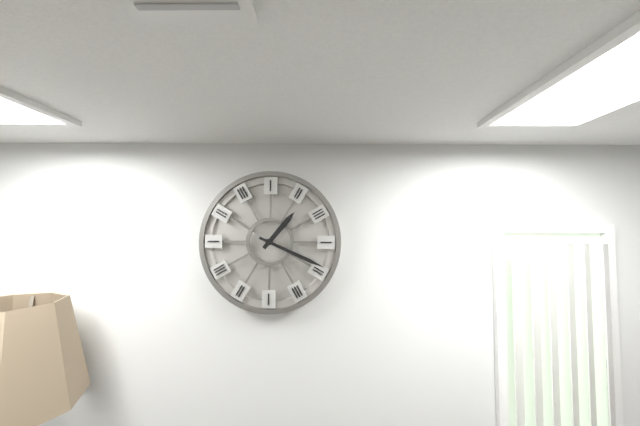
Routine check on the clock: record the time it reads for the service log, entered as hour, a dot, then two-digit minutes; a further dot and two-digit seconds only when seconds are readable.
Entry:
1.19
